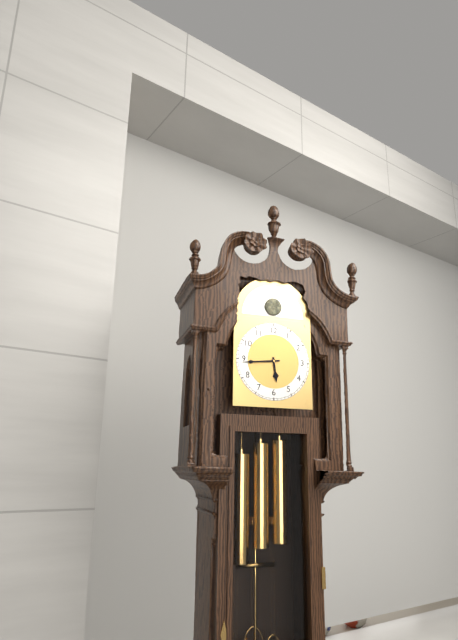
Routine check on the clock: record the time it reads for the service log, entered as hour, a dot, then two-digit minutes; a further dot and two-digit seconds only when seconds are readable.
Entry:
5.44
